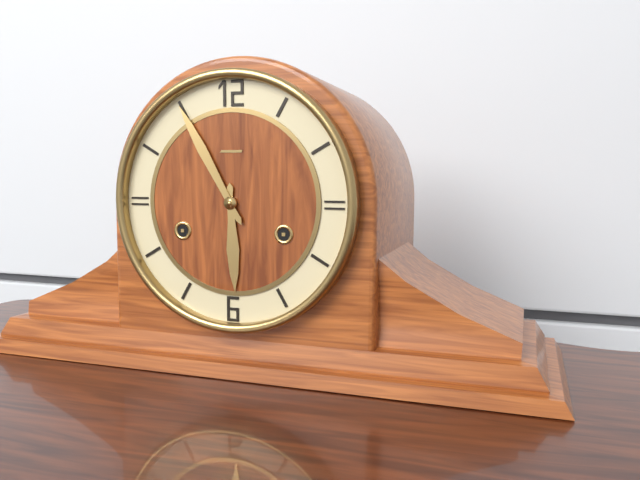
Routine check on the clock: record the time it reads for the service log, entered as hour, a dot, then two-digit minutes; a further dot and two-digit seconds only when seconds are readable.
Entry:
5.55
